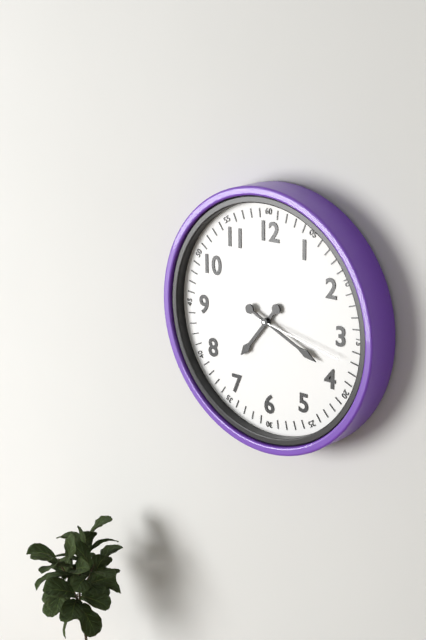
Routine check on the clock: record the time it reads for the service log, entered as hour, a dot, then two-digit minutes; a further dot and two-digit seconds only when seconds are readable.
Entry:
7.19.17
